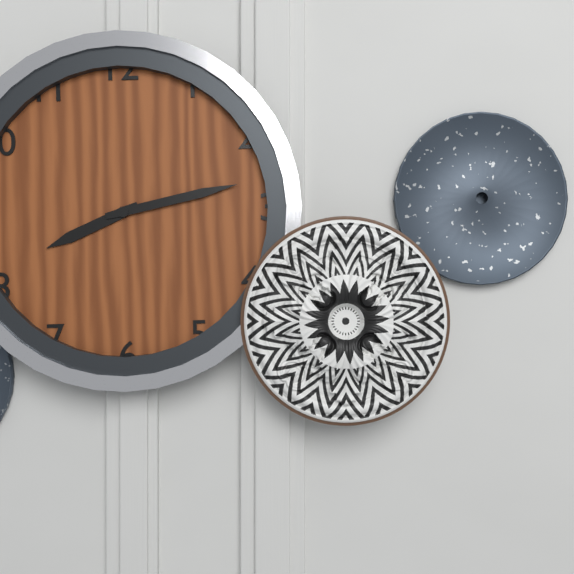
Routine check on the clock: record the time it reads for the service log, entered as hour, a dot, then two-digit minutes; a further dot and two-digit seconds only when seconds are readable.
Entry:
8.13
